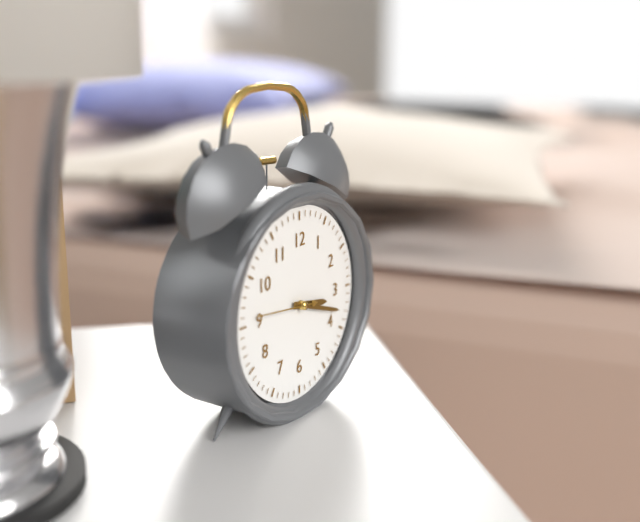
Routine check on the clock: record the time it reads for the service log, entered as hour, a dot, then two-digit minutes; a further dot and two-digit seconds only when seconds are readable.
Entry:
3.18.46
